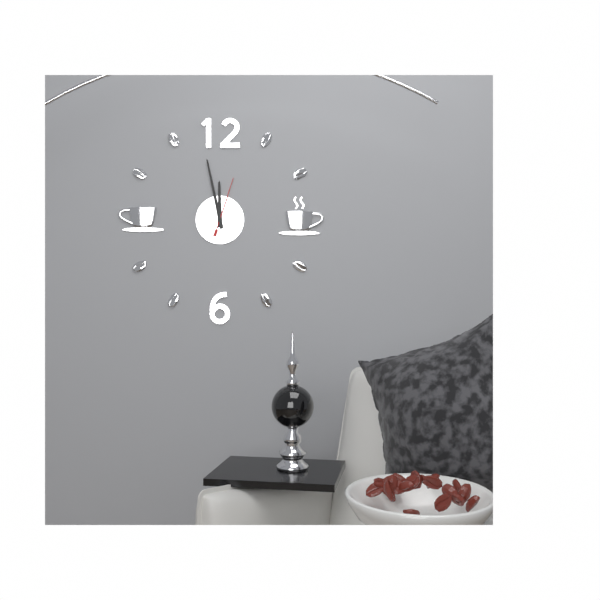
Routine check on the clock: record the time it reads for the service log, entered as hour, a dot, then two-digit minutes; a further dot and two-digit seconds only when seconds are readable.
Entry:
11.58.03
